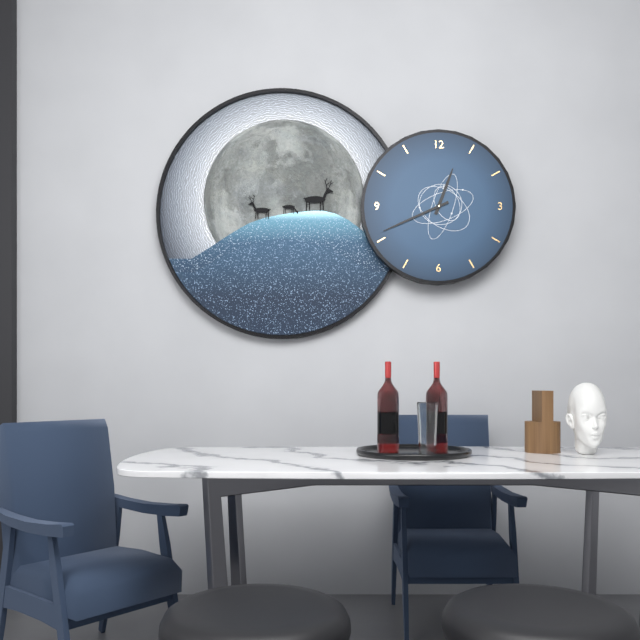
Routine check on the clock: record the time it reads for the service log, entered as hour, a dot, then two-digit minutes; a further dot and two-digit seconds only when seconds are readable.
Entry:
12.41
